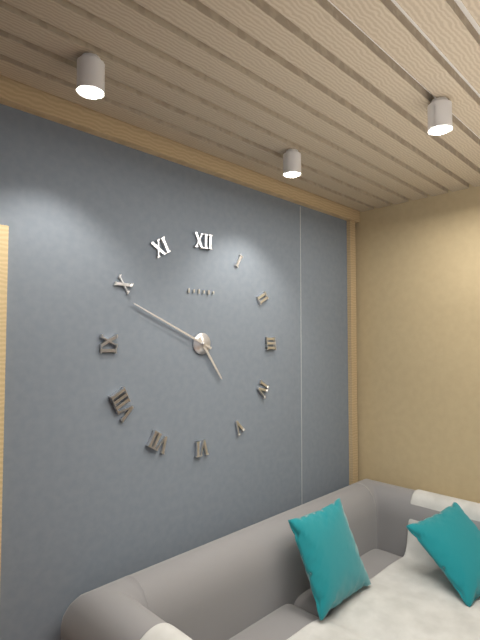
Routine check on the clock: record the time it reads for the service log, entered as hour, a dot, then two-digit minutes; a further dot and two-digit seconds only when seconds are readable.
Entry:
4.49
